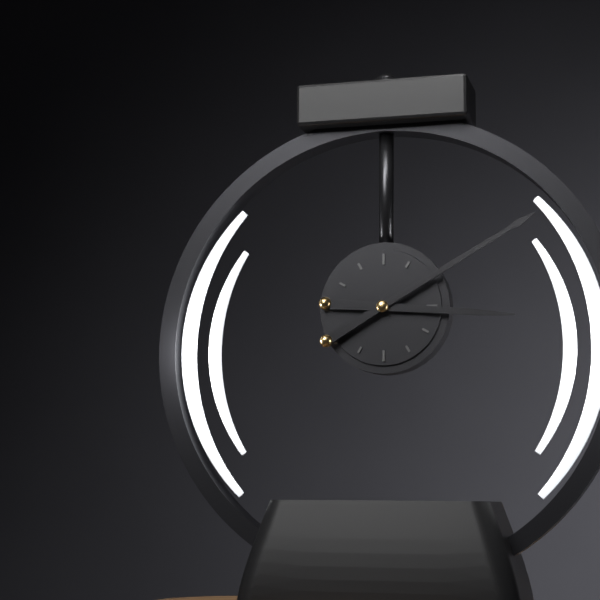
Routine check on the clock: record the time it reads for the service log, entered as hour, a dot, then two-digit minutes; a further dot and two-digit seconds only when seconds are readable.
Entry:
3.10
